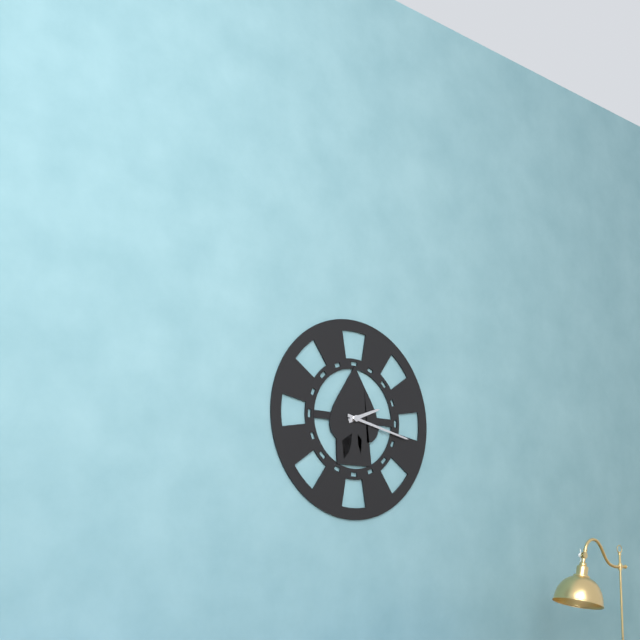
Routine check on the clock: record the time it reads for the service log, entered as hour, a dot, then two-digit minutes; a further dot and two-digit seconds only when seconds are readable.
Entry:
2.17
